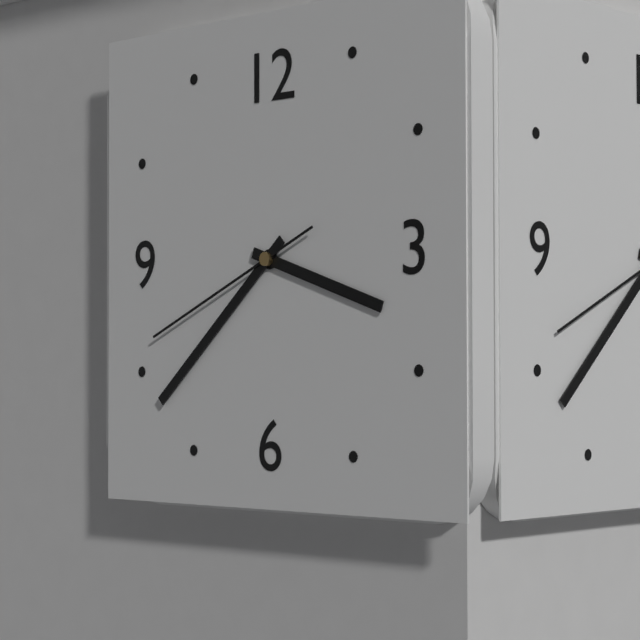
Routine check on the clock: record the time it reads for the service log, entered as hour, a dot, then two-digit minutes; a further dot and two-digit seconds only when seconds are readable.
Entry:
3.38.41
